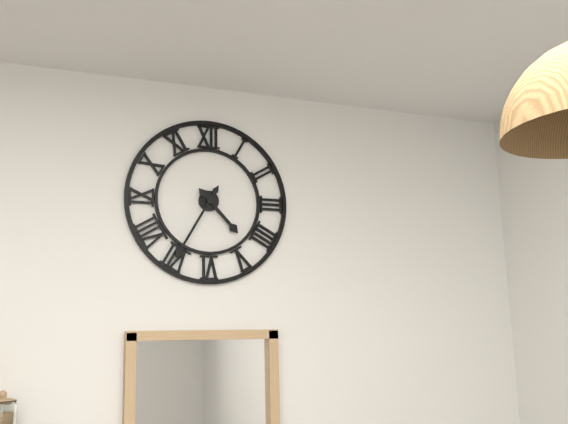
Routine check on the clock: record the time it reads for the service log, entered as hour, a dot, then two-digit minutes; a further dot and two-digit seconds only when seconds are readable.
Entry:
4.35
